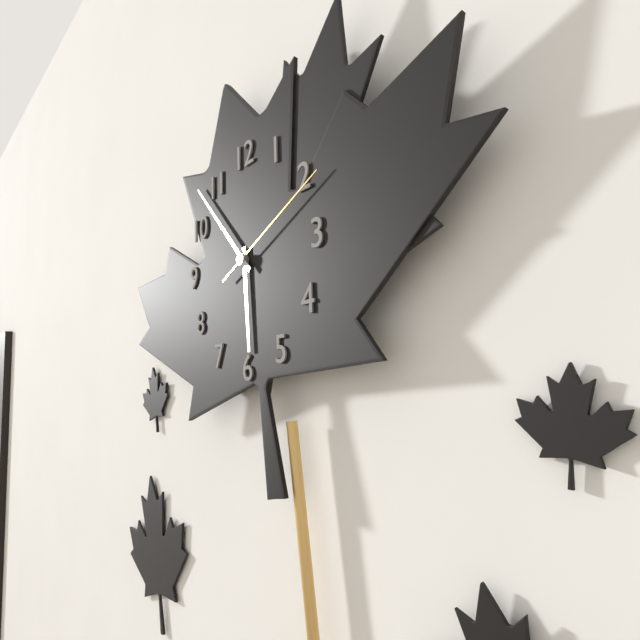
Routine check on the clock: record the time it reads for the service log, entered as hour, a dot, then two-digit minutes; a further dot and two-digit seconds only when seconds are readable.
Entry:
5.53.11
